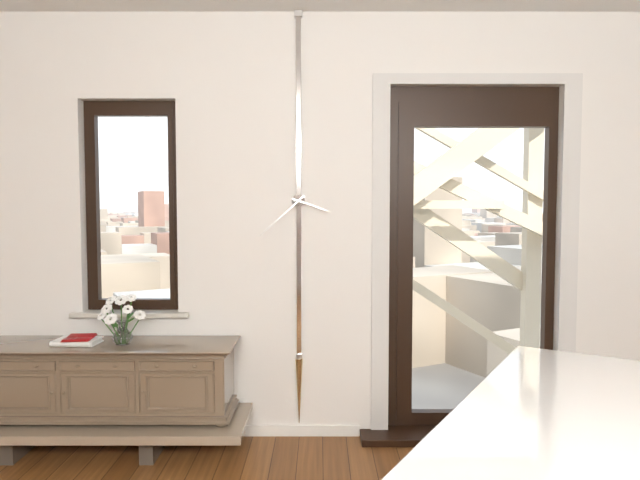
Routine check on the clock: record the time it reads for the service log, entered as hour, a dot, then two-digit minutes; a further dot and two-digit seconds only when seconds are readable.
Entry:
3.38
